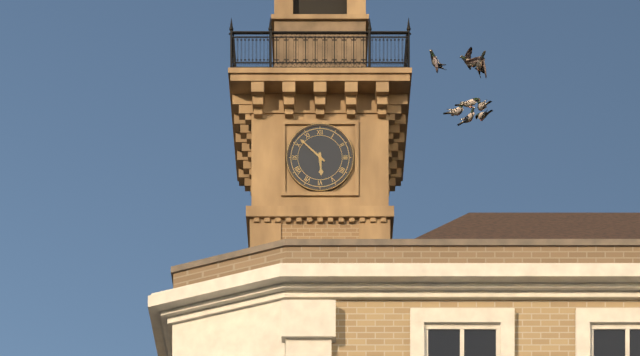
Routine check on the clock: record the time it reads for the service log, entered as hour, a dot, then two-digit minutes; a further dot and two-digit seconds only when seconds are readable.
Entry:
5.52
